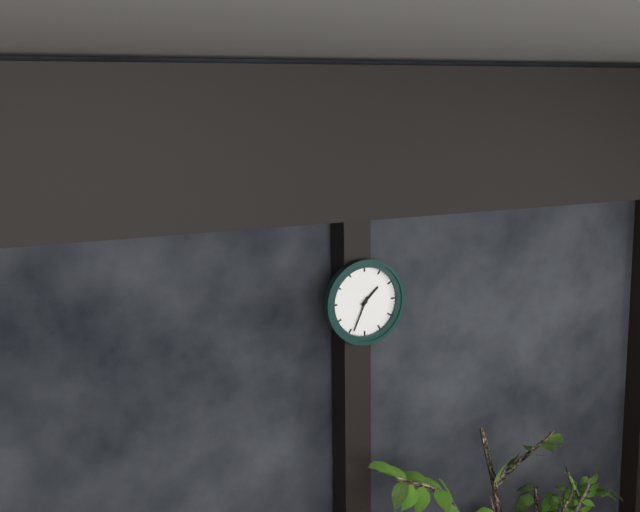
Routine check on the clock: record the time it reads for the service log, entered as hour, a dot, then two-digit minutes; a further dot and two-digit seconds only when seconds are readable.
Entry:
1.34
